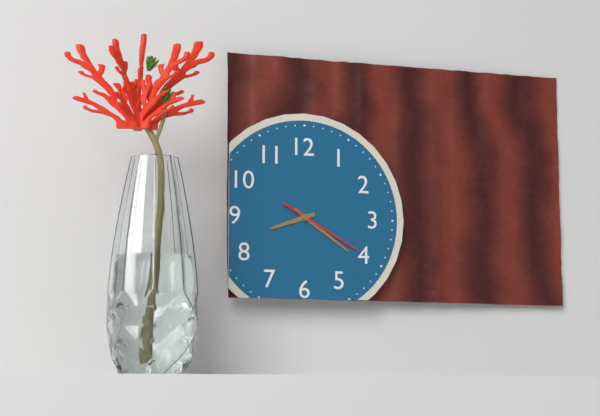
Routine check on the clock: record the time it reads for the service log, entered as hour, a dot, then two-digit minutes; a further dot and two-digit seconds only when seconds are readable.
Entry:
8.21.20
